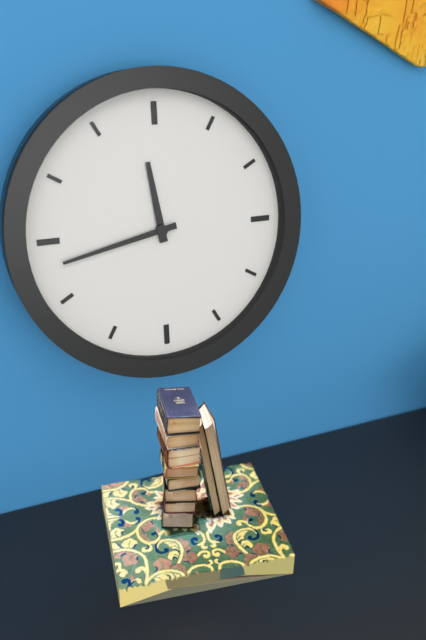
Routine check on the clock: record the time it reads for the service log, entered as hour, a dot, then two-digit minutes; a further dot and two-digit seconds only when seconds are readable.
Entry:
11.43
